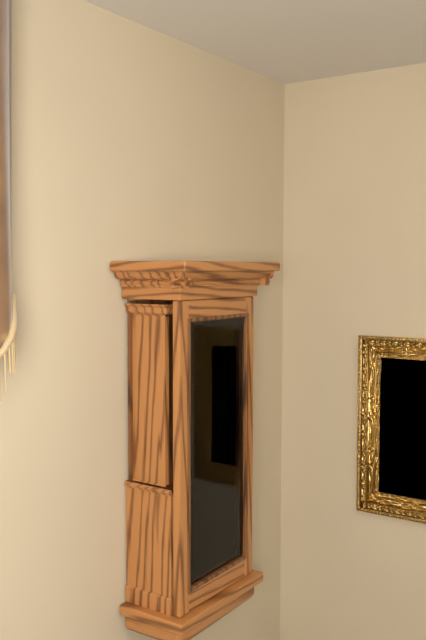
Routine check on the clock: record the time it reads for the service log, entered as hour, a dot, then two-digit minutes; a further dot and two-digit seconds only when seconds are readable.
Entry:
2.00
